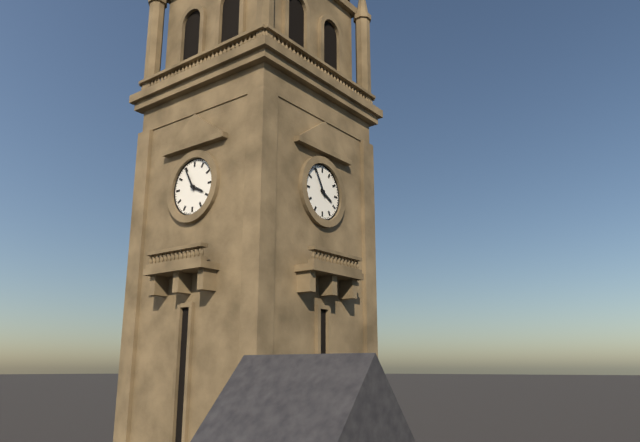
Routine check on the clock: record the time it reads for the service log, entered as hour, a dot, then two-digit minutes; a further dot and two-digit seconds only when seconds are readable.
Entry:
3.55
